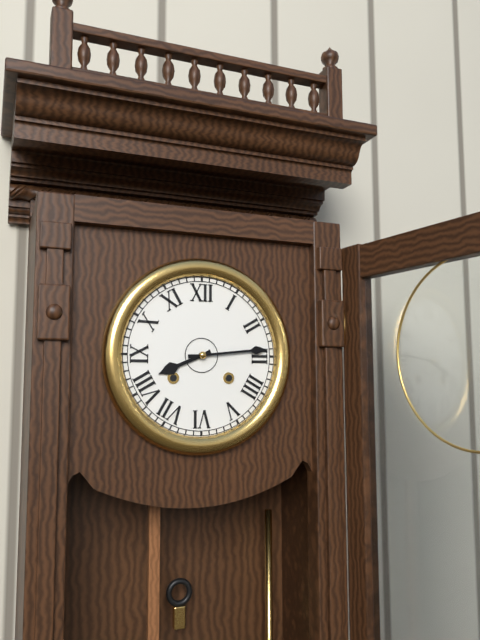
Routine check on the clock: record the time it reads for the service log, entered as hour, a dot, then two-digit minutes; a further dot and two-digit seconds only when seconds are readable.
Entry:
8.14
